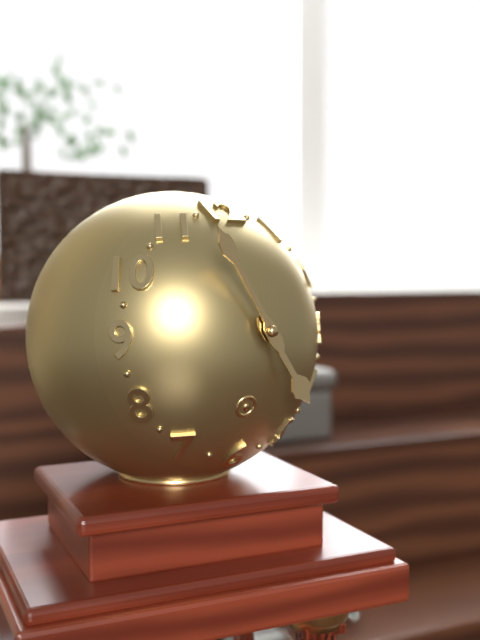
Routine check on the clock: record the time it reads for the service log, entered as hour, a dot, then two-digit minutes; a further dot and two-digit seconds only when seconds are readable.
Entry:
4.55
